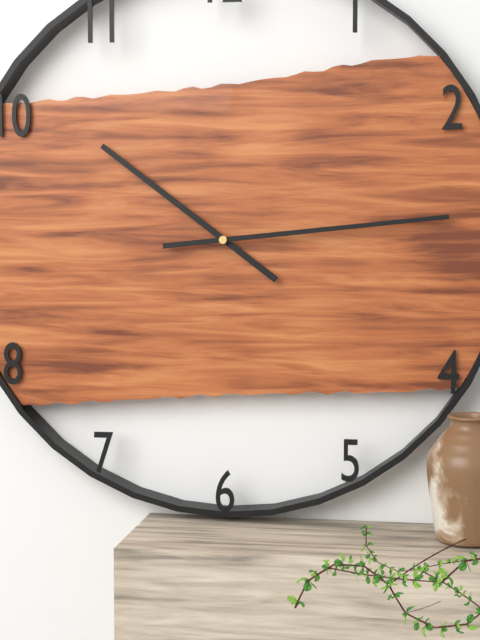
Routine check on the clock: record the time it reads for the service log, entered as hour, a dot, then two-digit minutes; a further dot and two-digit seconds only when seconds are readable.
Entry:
10.14
